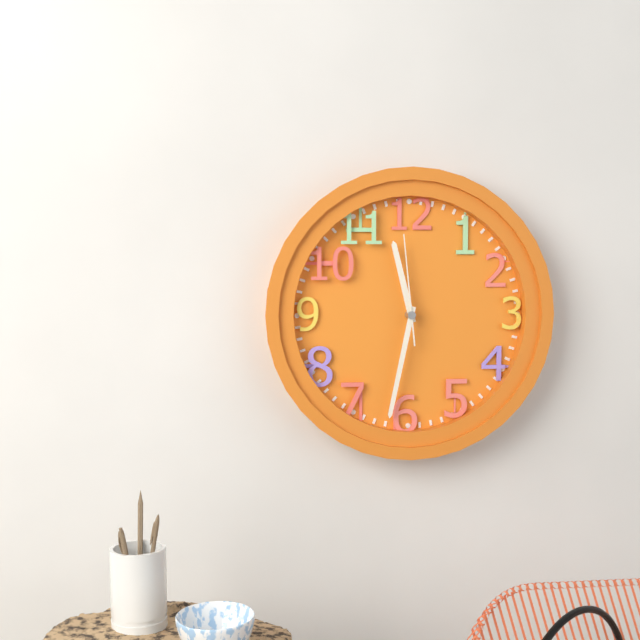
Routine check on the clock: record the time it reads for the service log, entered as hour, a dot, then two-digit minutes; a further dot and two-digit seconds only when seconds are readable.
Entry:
11.32.59
